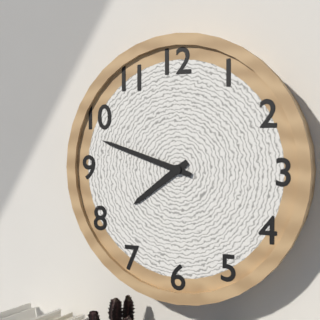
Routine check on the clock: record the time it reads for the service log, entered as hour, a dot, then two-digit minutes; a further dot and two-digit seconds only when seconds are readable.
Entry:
7.48
